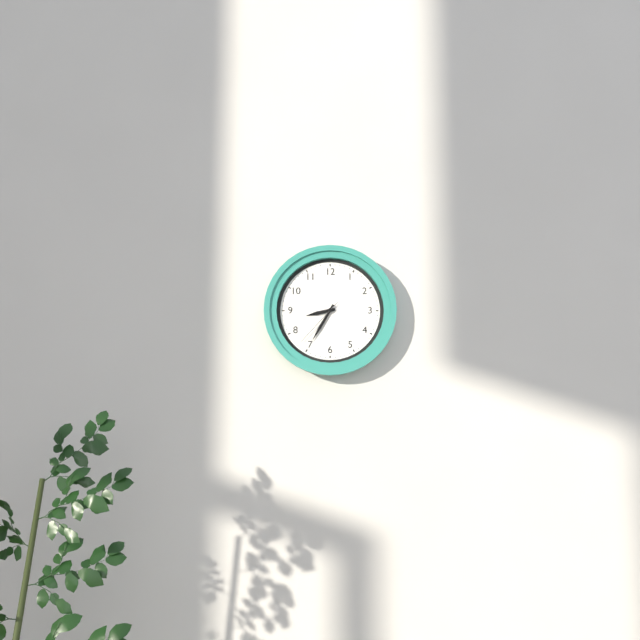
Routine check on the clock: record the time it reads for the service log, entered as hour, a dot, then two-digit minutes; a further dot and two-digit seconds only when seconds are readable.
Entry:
8.35.37
